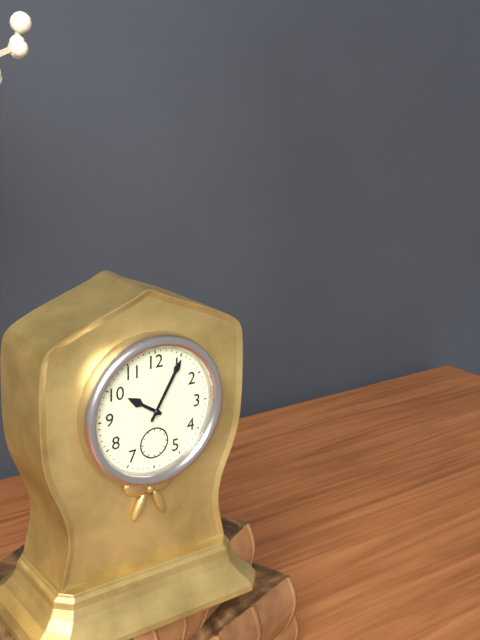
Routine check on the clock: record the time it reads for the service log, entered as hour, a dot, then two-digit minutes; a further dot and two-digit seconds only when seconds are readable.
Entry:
10.05
